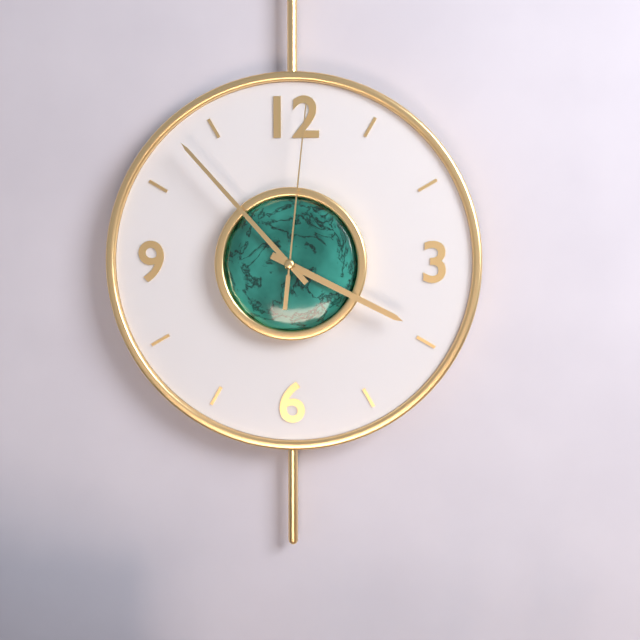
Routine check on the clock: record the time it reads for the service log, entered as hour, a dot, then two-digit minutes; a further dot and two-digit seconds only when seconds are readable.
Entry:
3.53.01
